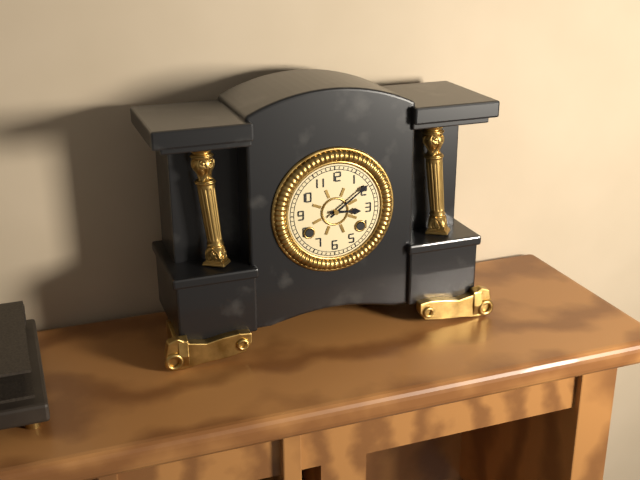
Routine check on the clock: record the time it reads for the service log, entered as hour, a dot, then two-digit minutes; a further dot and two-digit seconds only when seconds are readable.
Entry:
3.09
